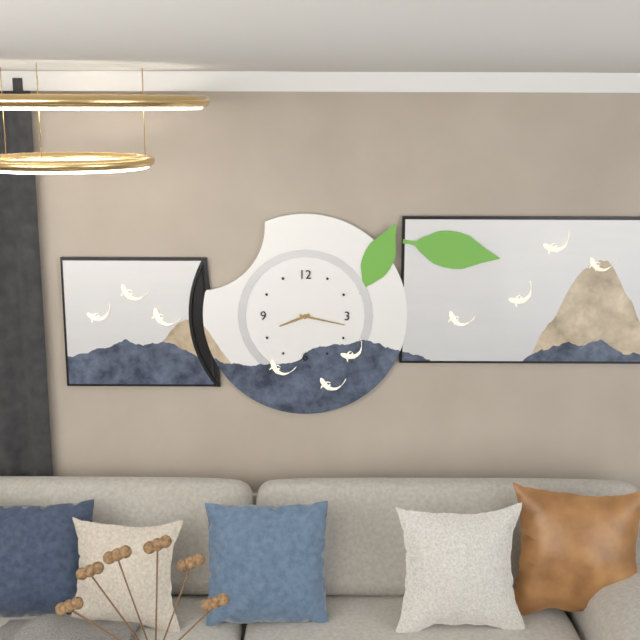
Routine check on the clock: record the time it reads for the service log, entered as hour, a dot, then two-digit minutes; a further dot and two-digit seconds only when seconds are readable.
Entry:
8.17
